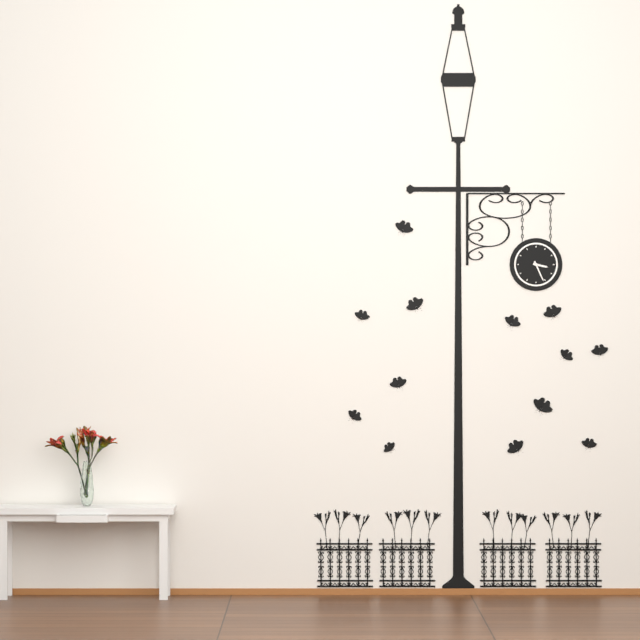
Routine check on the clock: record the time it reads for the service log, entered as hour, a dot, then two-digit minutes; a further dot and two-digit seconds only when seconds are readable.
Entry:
3.26
